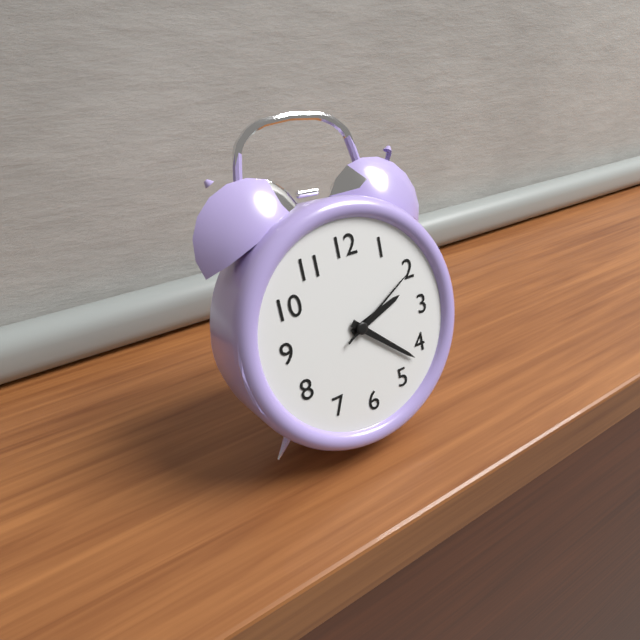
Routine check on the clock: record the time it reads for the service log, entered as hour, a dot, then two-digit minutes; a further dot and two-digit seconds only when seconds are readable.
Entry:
2.22.10
